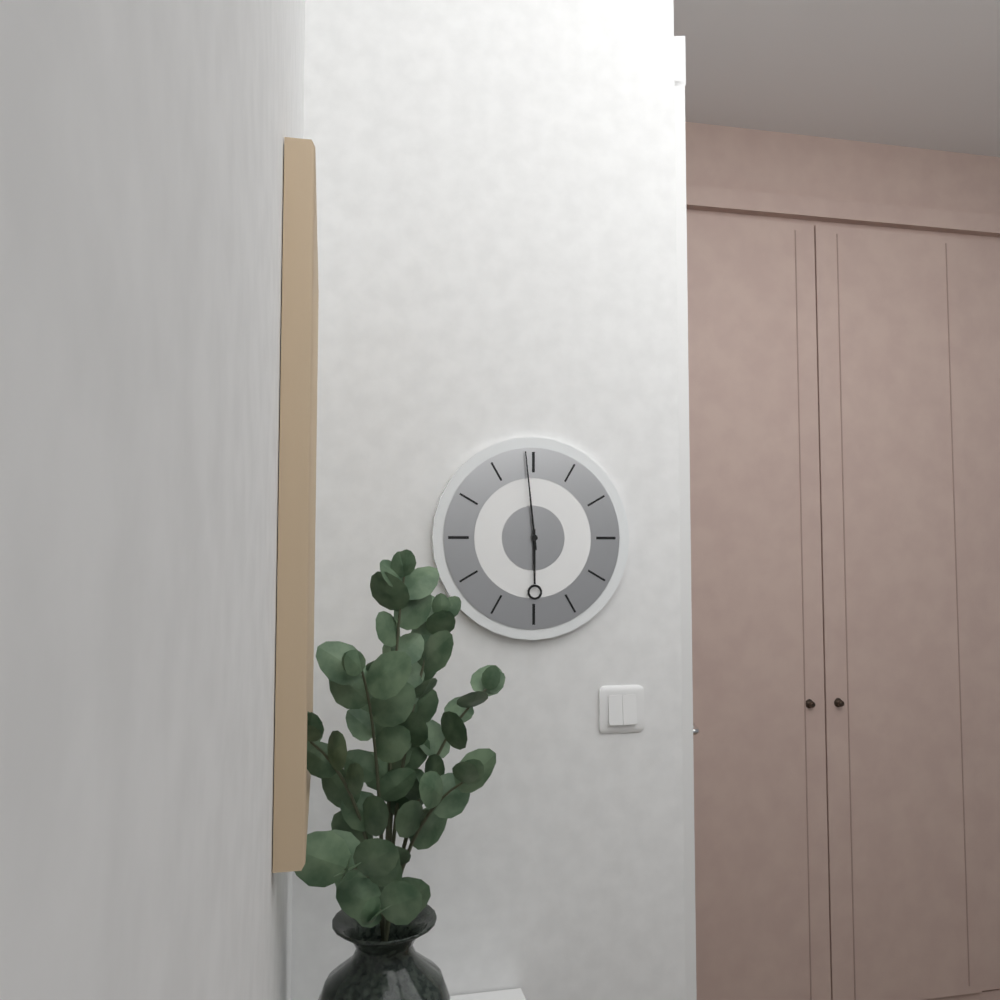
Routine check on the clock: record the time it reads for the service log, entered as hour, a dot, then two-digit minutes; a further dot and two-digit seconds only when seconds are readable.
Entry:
5.59
